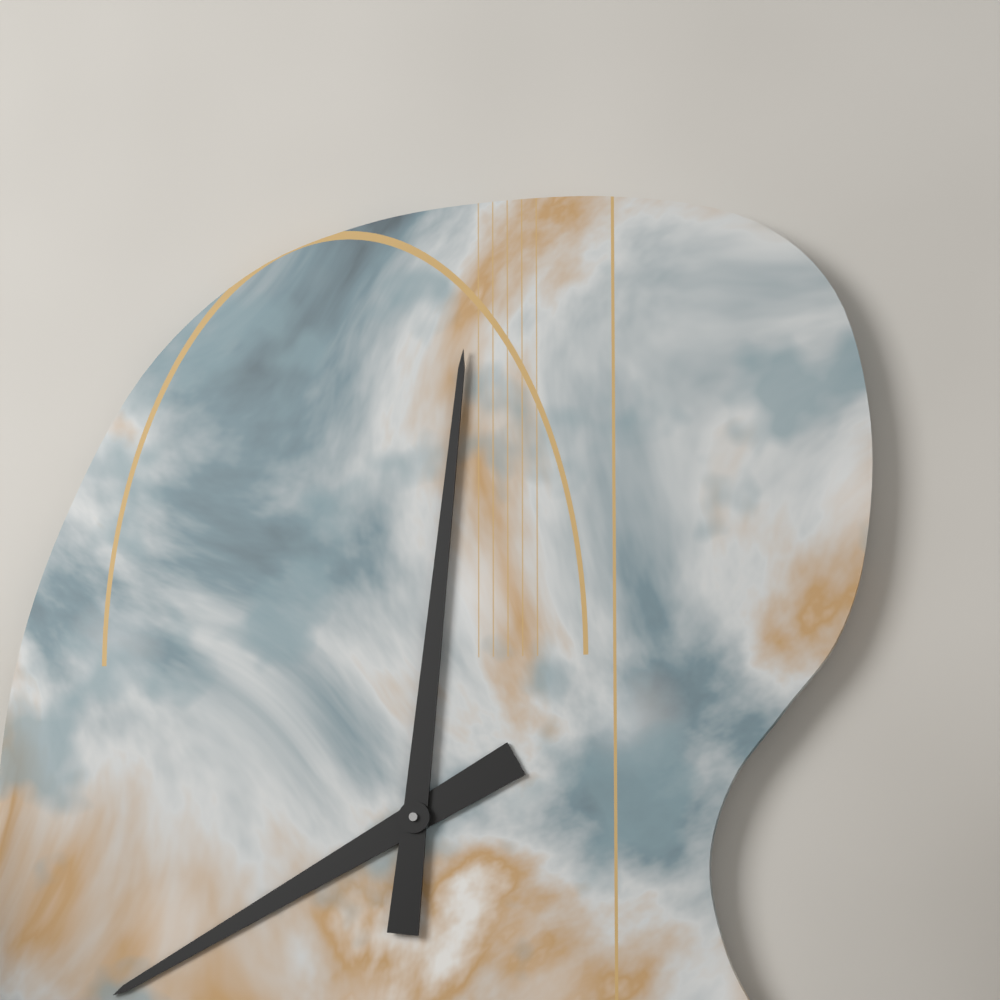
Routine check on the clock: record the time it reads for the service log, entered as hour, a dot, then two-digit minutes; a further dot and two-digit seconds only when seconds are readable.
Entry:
8.01
